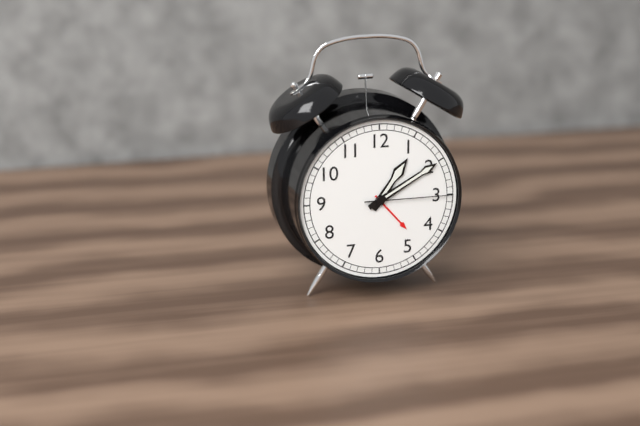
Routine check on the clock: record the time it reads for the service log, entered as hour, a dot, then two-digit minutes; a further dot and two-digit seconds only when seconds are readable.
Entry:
1.10.15
